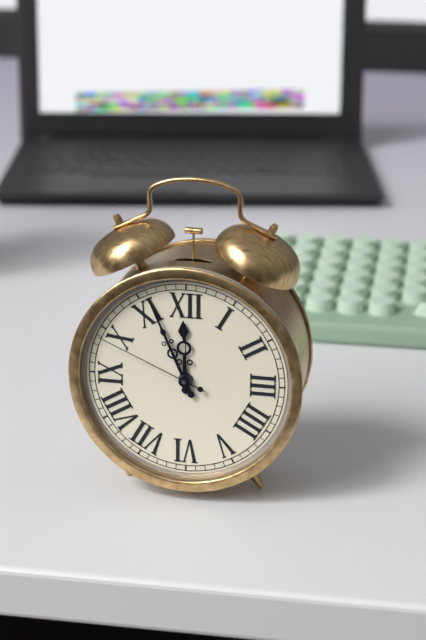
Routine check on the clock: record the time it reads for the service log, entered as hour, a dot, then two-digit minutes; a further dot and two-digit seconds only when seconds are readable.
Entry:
11.56.49
